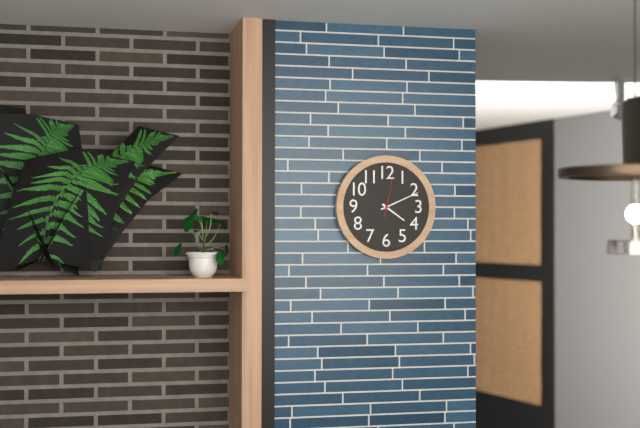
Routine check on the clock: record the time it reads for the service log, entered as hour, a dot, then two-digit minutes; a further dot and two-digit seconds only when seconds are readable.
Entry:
4.11
